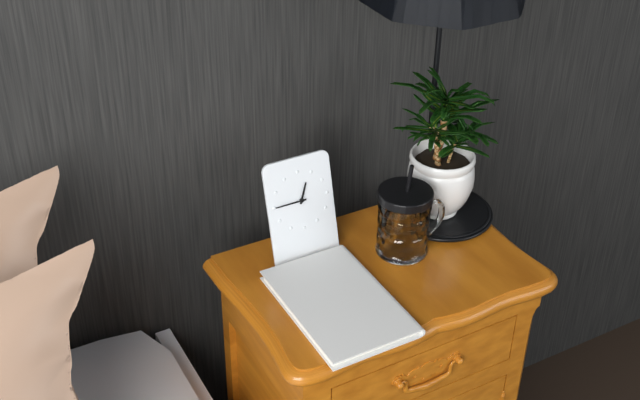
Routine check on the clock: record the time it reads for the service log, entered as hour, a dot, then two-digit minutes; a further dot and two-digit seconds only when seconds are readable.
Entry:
12.45
